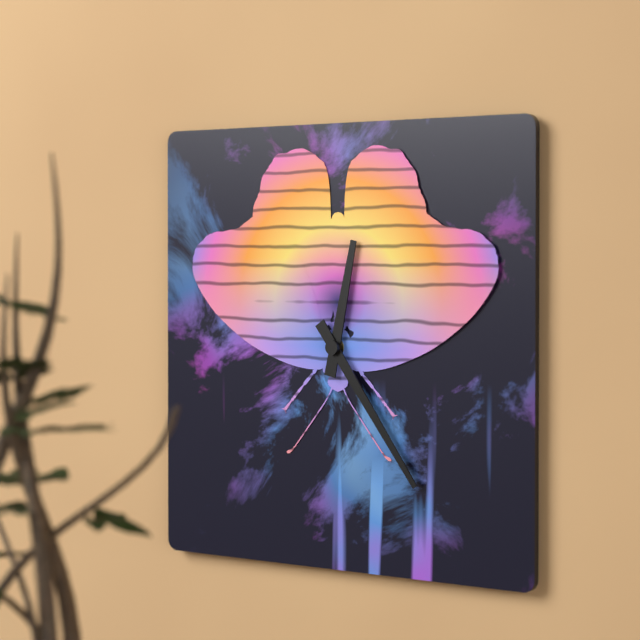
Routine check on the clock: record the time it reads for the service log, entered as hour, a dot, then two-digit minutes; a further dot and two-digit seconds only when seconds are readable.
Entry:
12.24
